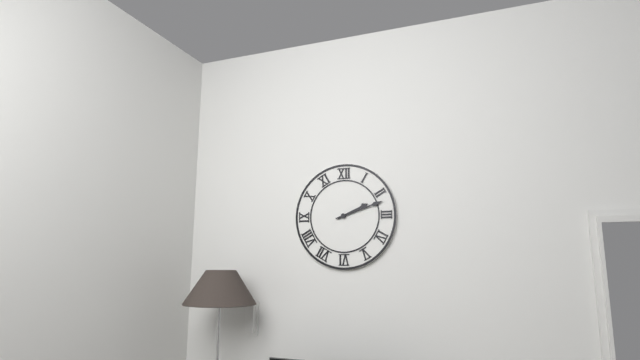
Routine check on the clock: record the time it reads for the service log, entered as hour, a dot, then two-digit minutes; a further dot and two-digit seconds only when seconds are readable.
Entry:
2.12
